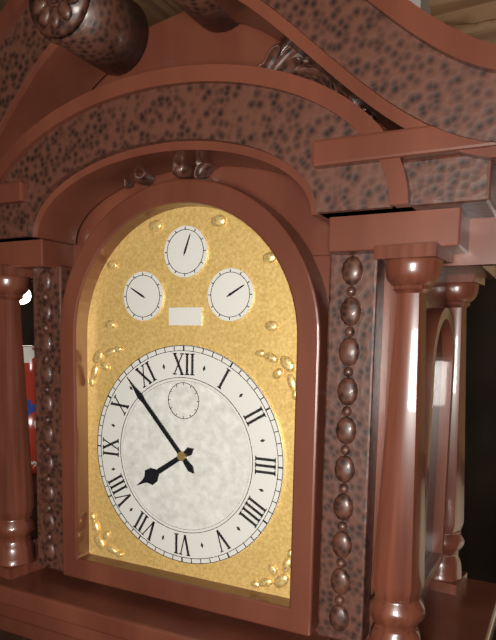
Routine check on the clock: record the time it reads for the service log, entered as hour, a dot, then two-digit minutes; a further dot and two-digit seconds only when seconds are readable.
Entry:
7.53
